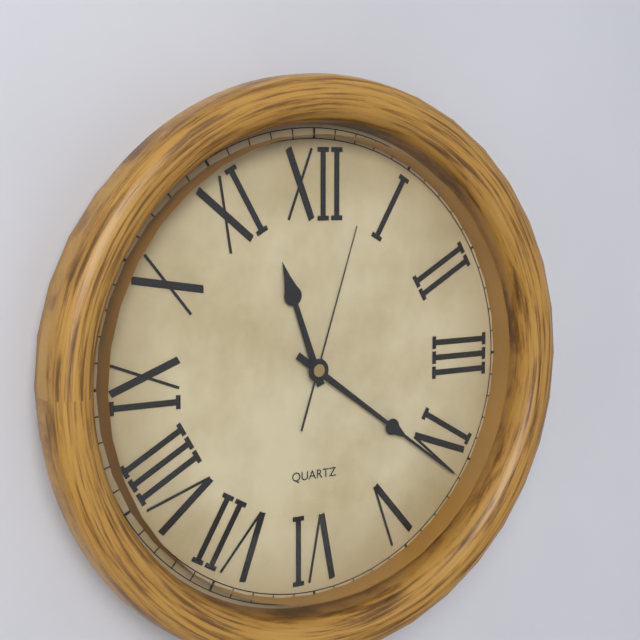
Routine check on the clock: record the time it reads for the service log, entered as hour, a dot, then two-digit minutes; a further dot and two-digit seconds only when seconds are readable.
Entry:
11.21.03
